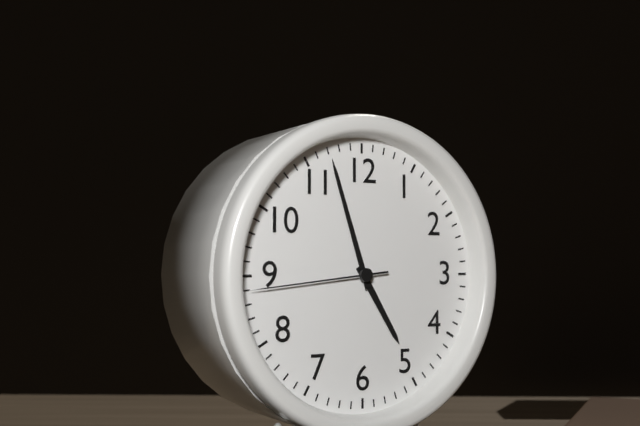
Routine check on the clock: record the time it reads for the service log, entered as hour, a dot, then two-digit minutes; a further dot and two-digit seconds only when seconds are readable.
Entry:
4.57.44
